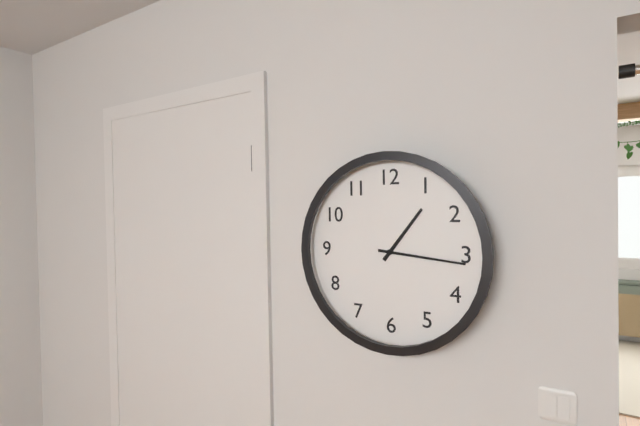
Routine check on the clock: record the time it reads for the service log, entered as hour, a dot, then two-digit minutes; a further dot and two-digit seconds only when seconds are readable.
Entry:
1.16
